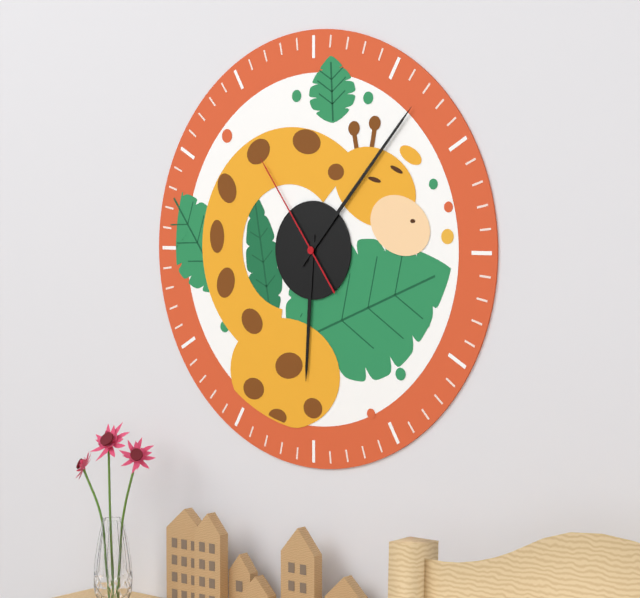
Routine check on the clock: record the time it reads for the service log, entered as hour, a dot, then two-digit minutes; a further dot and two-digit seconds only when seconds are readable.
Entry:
6.07.54
